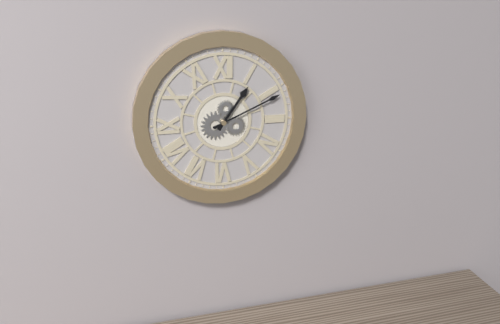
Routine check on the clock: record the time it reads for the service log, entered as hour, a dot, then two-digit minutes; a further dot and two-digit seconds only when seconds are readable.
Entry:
1.11
